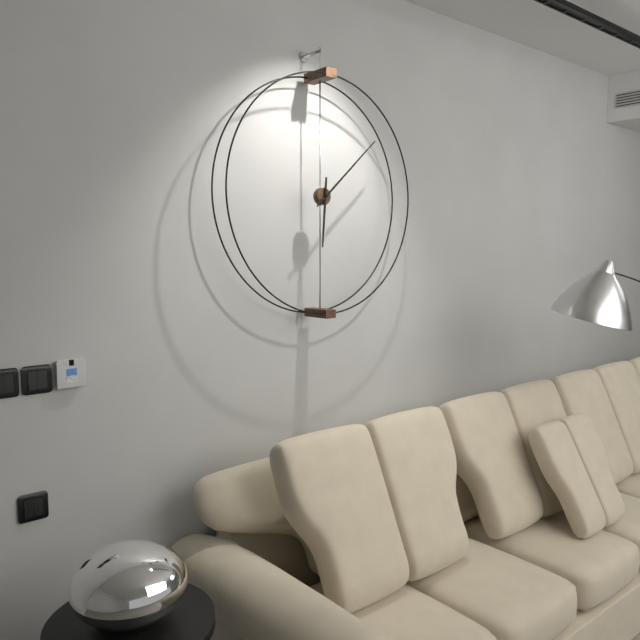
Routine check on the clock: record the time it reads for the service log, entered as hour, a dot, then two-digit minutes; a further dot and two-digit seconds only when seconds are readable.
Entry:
6.08
